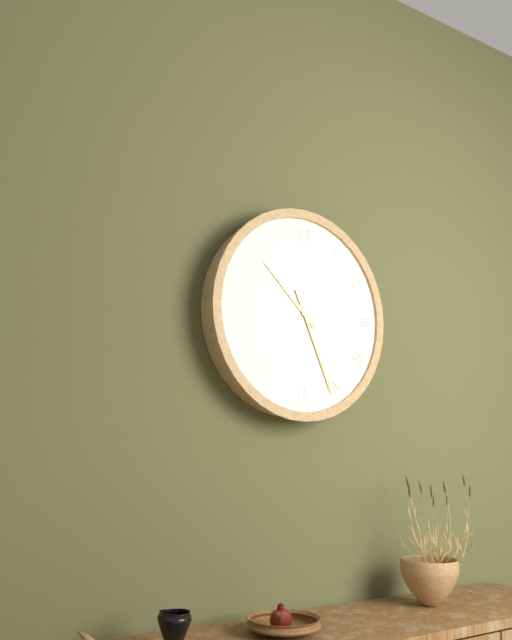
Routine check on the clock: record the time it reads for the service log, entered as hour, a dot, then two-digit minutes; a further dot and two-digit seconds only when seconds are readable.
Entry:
10.26
